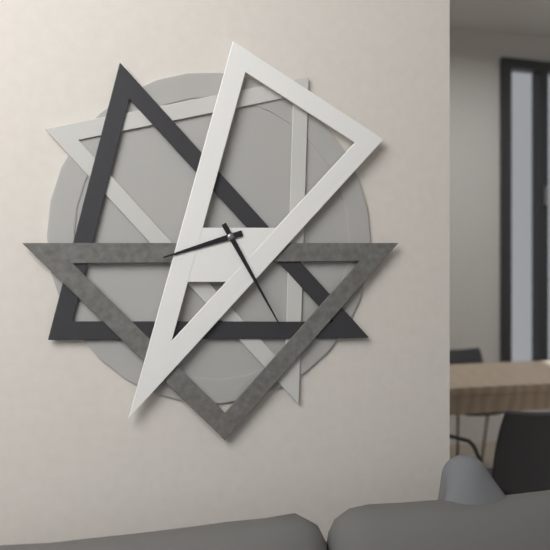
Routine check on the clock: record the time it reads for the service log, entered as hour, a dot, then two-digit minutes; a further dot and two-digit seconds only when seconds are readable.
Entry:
8.25
